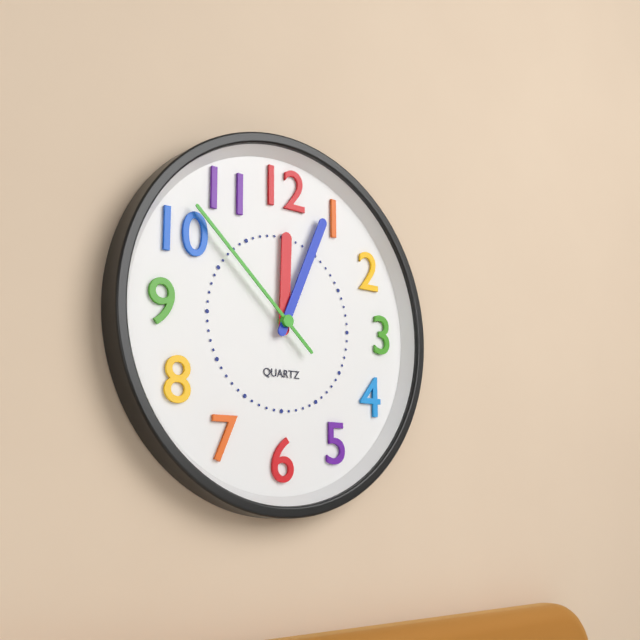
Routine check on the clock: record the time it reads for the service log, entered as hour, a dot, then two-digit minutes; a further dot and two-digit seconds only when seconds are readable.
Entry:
12.04.52
